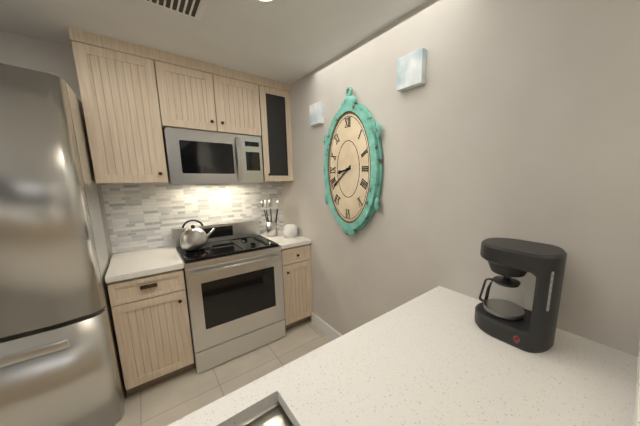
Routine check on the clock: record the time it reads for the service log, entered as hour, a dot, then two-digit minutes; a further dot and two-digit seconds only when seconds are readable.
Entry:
8.39
